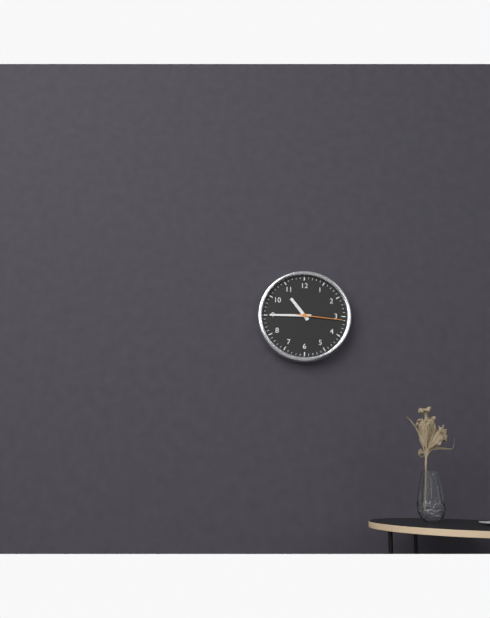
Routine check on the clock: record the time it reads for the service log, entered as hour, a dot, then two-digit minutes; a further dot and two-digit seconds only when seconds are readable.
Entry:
10.45
